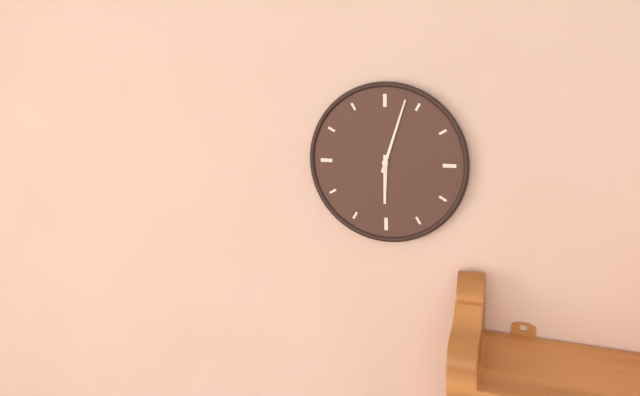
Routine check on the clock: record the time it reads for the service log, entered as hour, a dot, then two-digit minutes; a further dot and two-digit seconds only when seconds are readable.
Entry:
6.03
